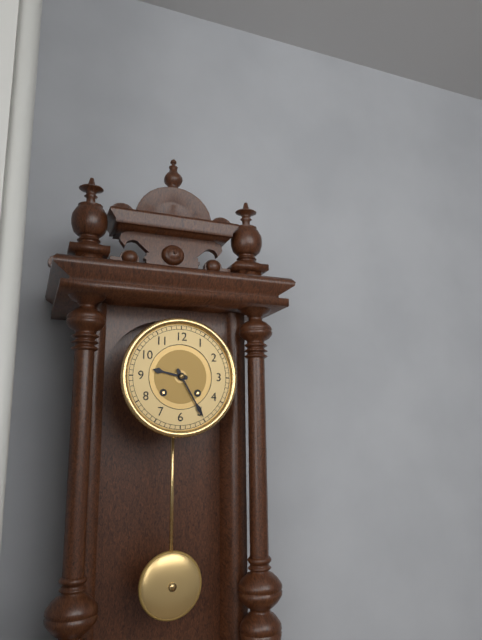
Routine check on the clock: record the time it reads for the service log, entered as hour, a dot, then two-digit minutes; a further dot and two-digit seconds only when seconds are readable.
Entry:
9.25
